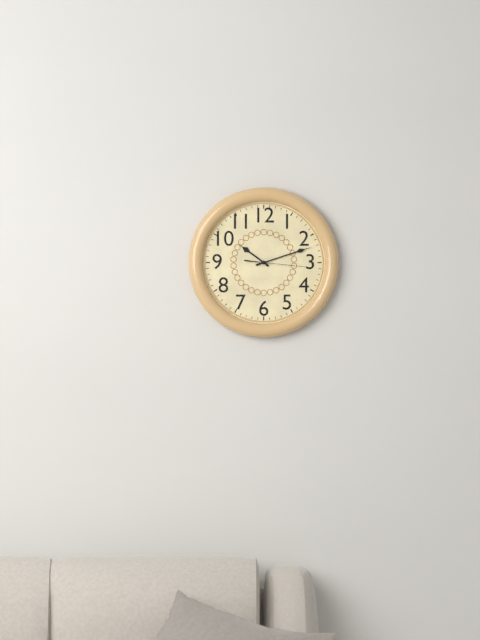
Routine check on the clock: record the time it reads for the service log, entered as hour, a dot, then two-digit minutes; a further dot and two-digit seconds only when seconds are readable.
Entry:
10.12.16
